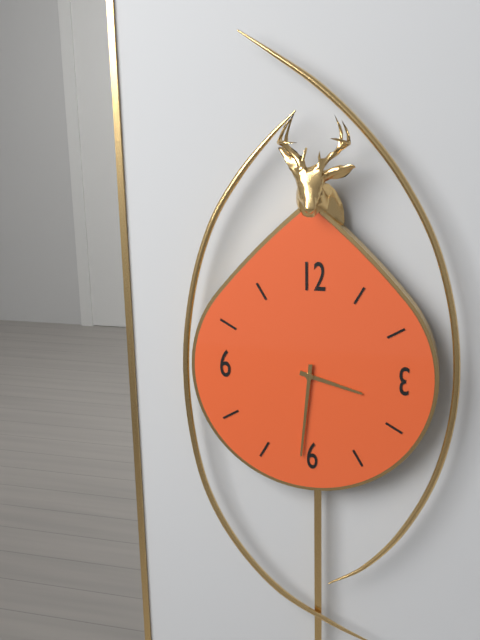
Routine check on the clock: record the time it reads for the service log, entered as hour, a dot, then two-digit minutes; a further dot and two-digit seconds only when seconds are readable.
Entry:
3.31
